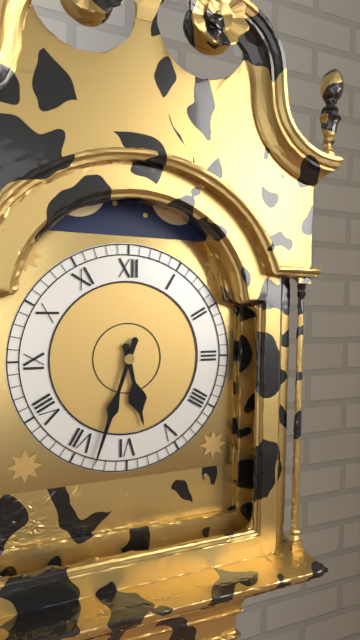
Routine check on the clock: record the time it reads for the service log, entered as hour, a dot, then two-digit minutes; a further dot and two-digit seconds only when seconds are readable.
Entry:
5.33
